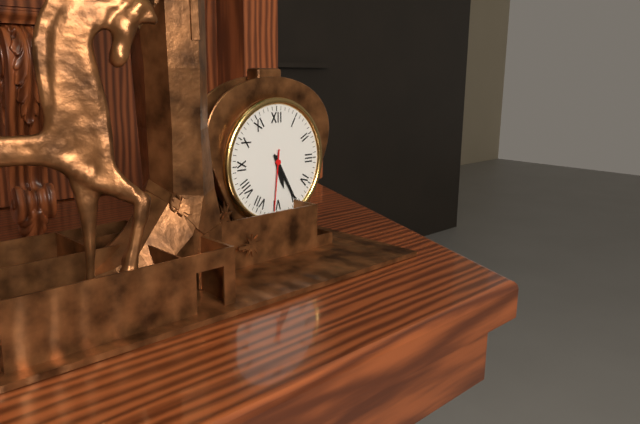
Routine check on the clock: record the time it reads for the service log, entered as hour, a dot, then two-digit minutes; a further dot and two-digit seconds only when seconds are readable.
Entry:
5.25.31
